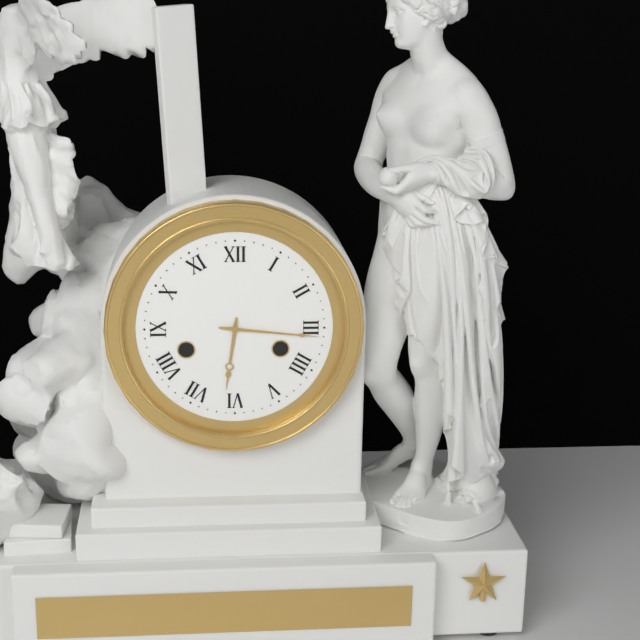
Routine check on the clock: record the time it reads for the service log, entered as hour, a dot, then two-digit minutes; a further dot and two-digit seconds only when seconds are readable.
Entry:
6.16
